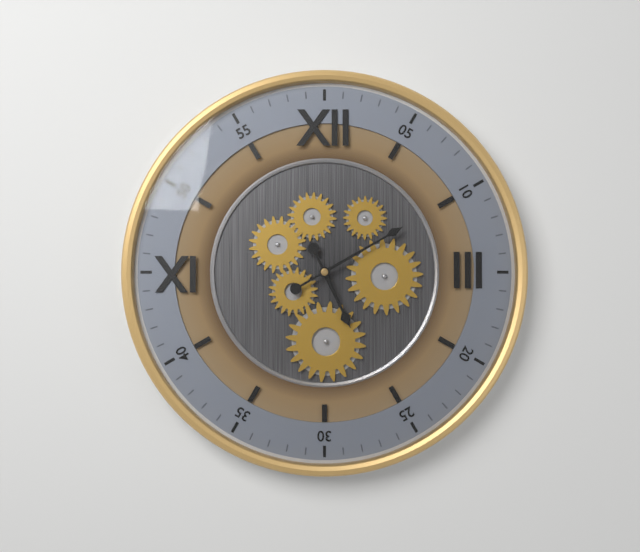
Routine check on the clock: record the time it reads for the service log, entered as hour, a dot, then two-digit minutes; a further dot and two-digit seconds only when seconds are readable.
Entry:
5.10
